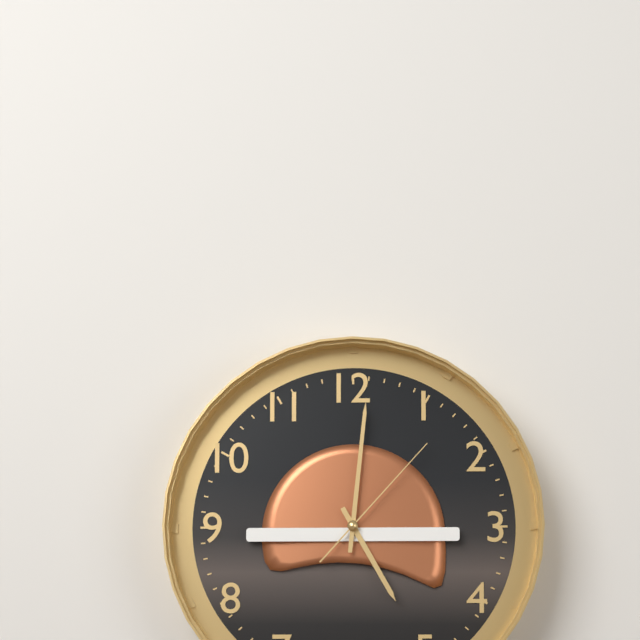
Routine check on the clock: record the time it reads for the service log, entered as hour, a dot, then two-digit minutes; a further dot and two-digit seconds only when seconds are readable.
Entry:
5.01.07
